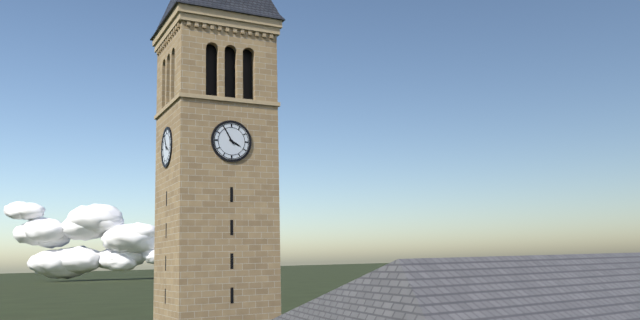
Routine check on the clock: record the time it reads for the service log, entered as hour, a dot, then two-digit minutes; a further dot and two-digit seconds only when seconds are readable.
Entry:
3.55
